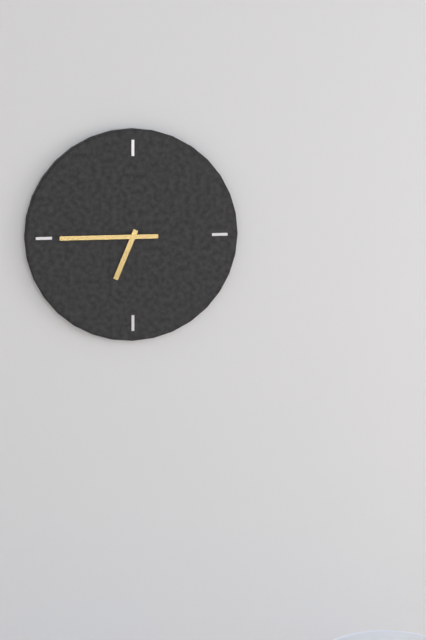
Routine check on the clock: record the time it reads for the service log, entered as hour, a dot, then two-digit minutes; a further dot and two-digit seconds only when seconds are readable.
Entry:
6.45
